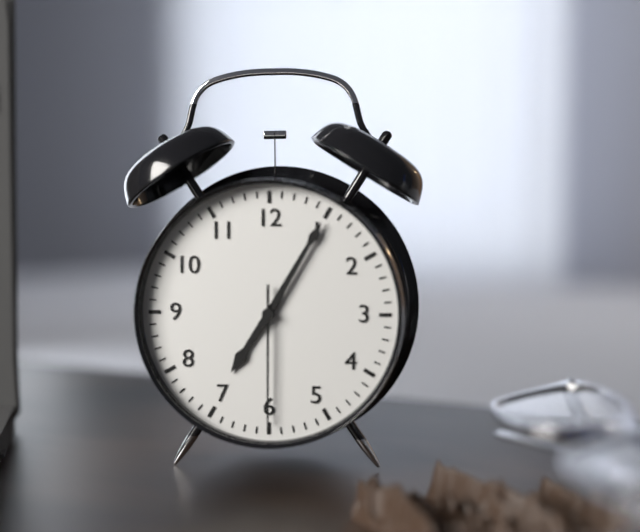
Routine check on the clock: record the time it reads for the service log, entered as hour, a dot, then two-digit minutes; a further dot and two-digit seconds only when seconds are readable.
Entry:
7.05.30
